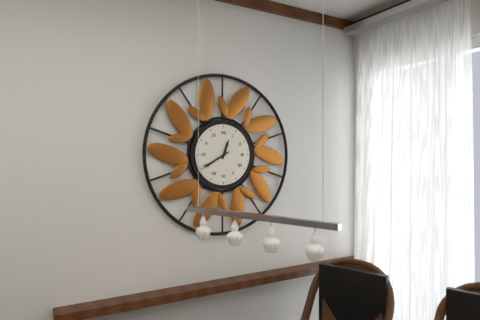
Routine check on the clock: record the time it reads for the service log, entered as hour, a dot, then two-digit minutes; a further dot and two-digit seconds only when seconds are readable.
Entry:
12.40
